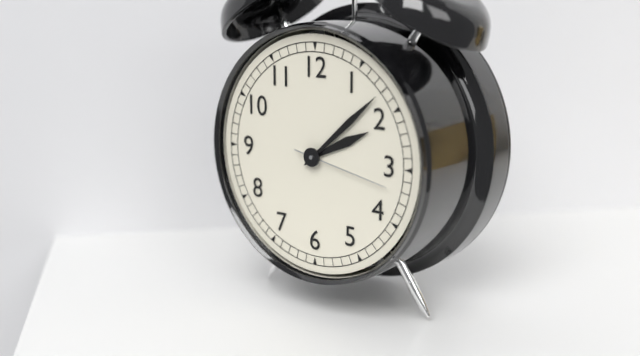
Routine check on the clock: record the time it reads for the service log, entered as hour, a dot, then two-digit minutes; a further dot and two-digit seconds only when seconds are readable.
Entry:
2.08.17
